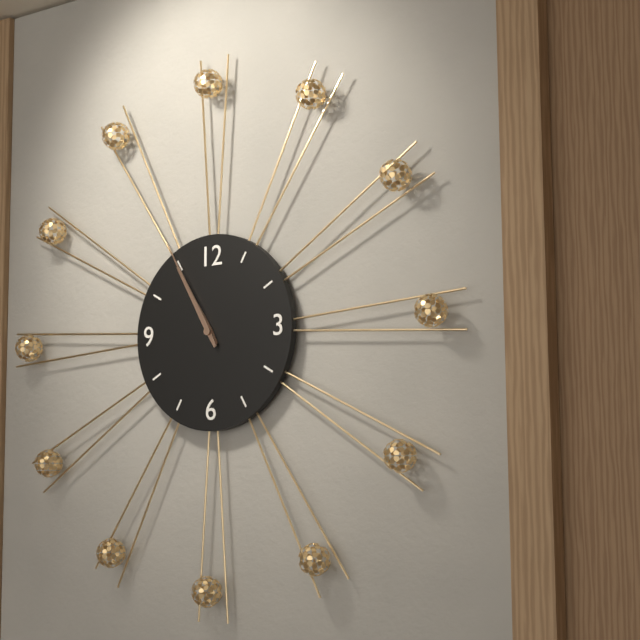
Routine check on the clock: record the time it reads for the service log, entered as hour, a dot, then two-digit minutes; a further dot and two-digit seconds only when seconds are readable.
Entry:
10.55
